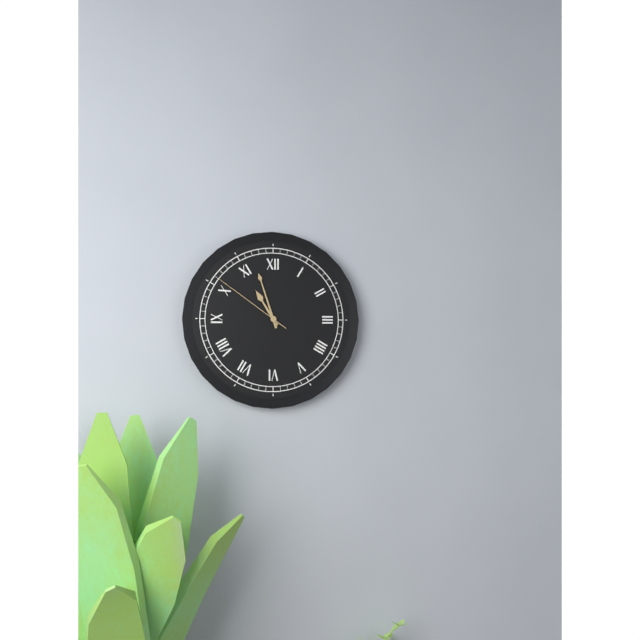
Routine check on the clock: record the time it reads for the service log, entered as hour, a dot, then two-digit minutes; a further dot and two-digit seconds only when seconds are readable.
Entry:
10.57.51
